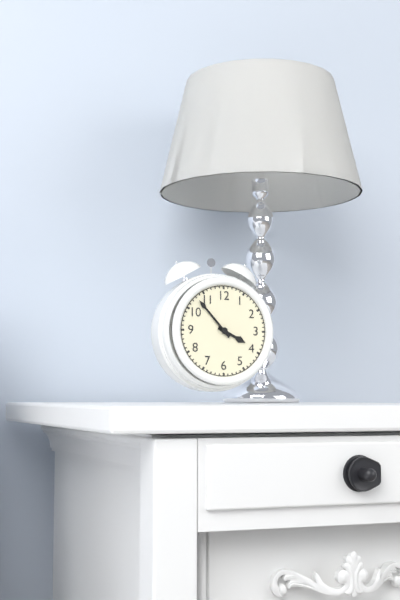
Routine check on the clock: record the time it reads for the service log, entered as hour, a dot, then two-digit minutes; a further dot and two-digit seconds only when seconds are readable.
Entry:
3.53
